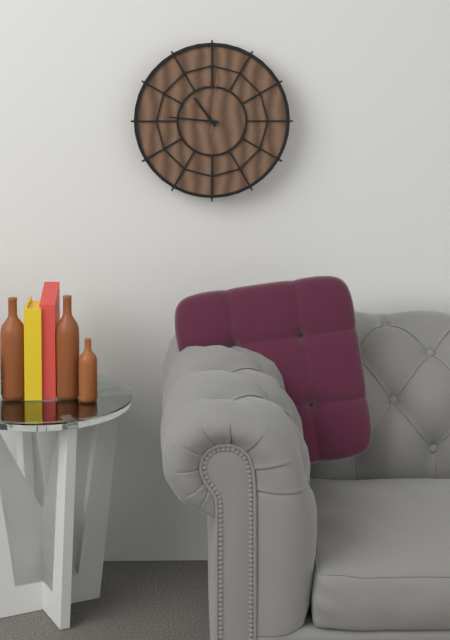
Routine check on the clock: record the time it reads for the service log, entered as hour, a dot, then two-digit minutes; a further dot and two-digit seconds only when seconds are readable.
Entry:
10.46.01
